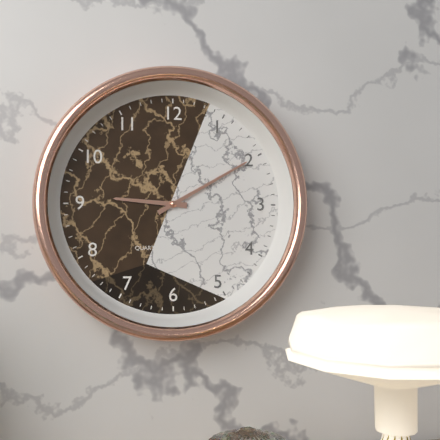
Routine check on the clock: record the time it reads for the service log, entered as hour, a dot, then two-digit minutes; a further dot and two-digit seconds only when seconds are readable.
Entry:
9.10
